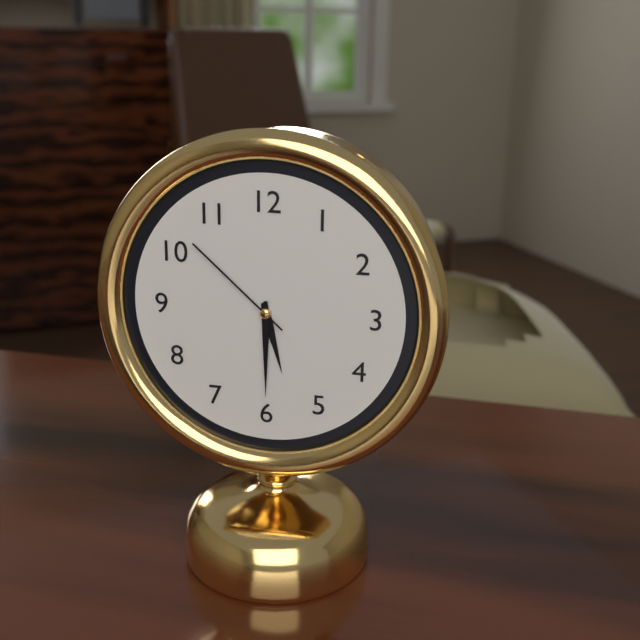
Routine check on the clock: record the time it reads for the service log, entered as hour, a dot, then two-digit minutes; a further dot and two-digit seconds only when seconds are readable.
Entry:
5.30.52
